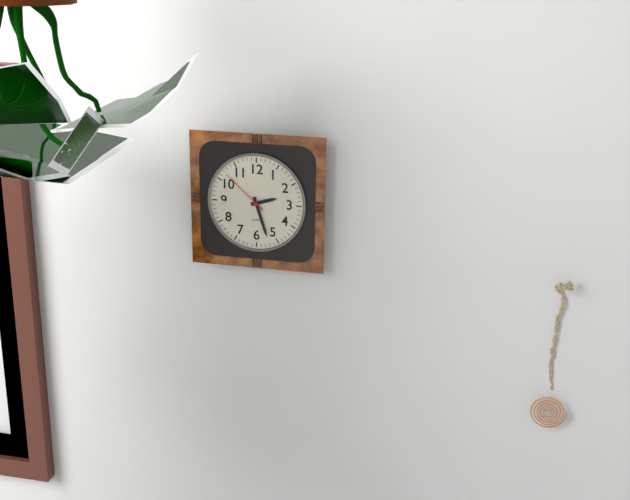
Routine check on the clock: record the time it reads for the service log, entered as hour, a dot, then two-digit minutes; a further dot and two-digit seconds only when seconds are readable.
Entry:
2.27.52
